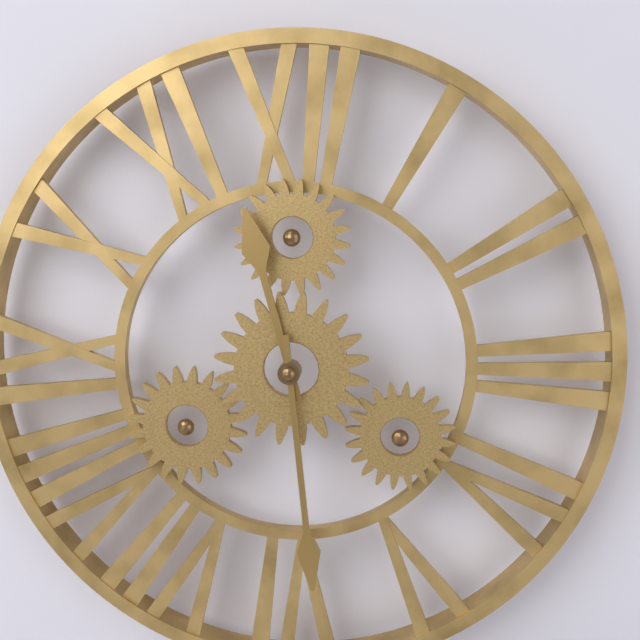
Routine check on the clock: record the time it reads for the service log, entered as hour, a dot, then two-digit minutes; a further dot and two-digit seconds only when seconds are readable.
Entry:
11.29
